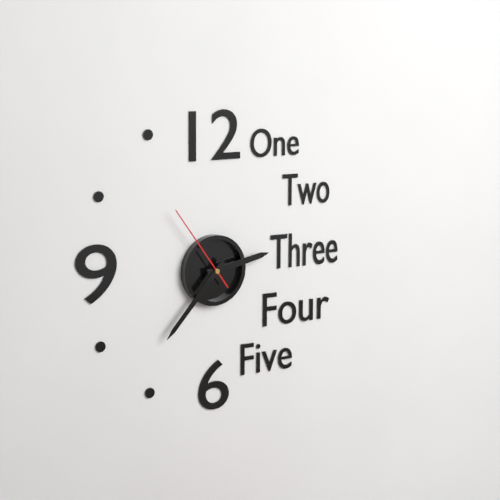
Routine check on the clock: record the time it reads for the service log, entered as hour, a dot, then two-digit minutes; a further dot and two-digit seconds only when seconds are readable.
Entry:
2.37.54
